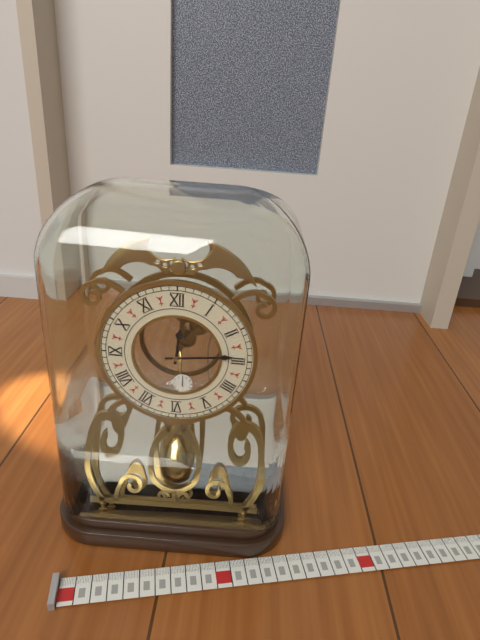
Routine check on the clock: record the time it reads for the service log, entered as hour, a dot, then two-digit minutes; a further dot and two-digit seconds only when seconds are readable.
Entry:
12.14
